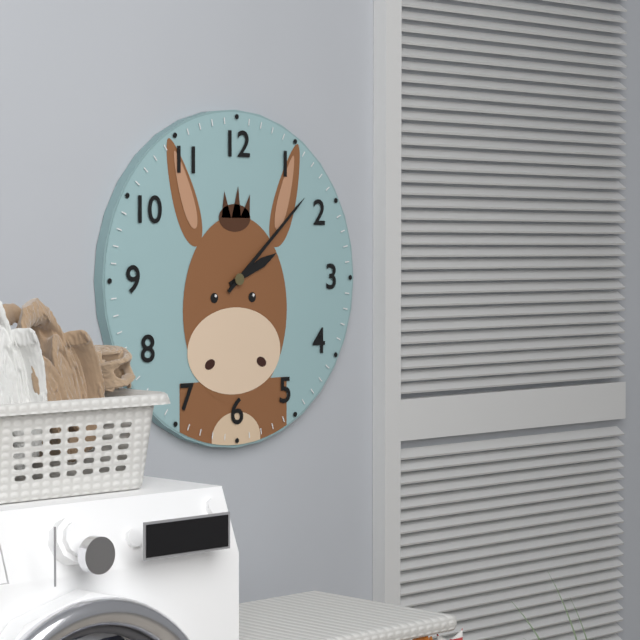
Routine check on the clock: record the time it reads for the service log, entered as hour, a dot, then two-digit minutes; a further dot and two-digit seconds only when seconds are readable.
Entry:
2.08
